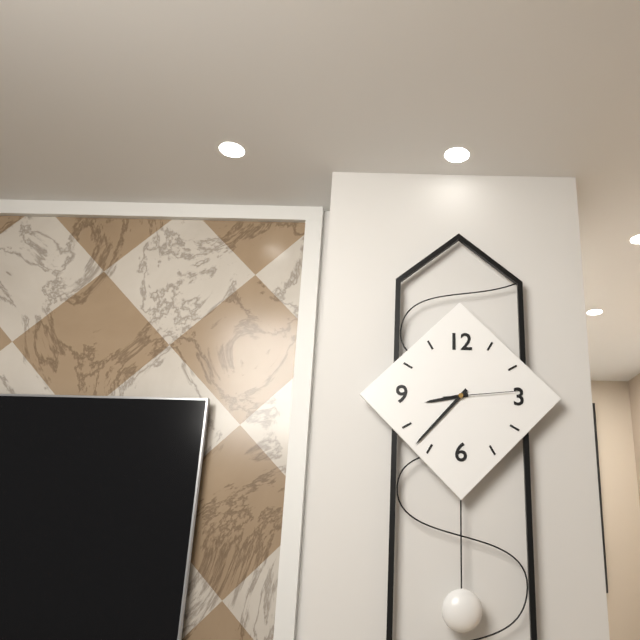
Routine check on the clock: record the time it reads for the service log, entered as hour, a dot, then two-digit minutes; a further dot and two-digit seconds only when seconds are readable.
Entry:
8.37.14
